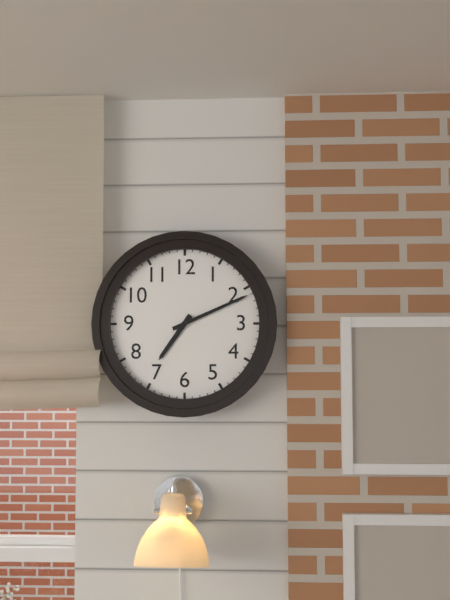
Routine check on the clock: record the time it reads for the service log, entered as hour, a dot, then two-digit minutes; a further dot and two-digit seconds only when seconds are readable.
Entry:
7.11
